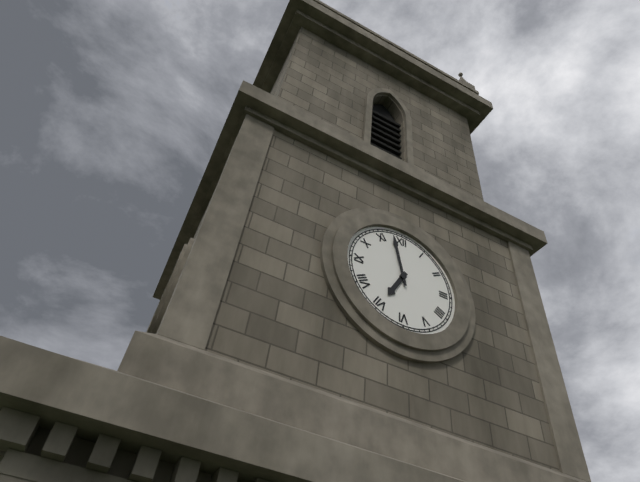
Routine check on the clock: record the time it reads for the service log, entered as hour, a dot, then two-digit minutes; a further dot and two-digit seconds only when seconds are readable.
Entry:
6.58
